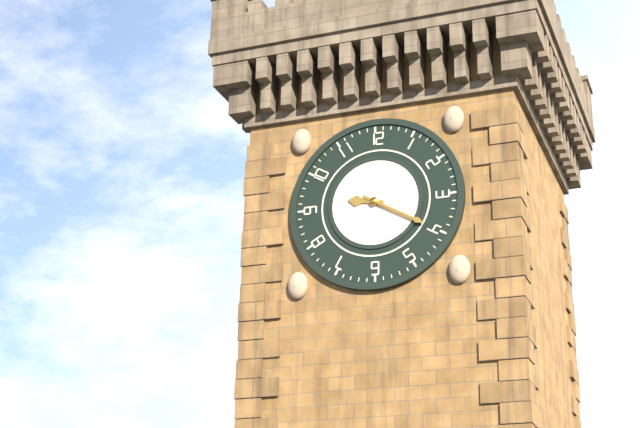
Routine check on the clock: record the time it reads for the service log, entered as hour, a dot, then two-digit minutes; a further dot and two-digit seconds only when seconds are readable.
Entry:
9.20
